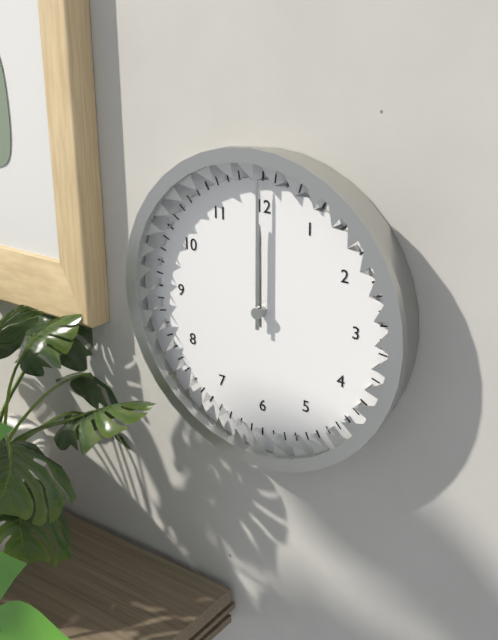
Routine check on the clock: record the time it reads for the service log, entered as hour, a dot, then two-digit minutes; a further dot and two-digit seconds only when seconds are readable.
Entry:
12.00
